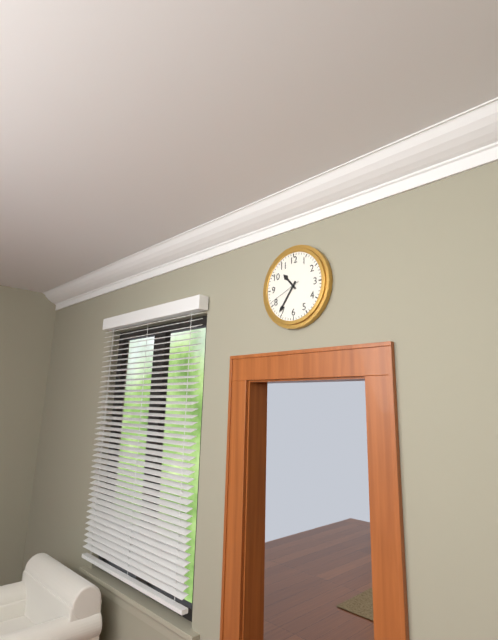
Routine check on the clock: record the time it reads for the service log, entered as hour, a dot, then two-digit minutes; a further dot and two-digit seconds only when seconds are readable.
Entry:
10.36
